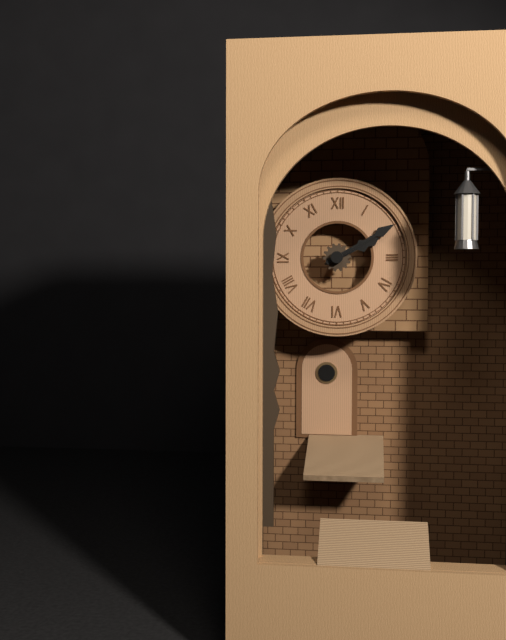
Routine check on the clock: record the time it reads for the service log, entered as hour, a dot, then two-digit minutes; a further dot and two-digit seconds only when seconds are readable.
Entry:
2.10
